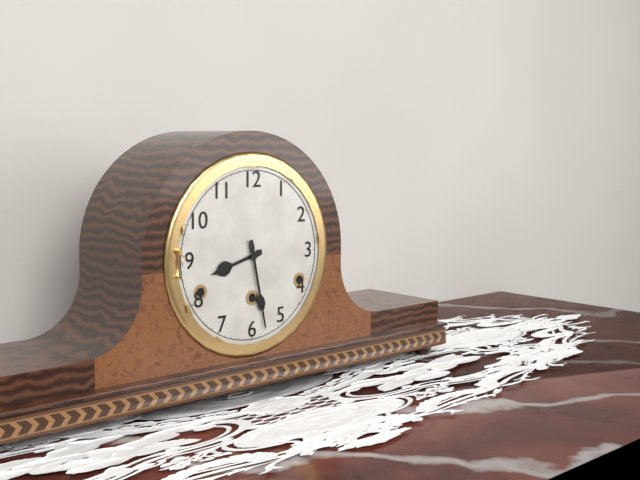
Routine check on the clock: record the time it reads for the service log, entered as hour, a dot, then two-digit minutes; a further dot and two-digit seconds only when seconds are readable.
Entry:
8.28
